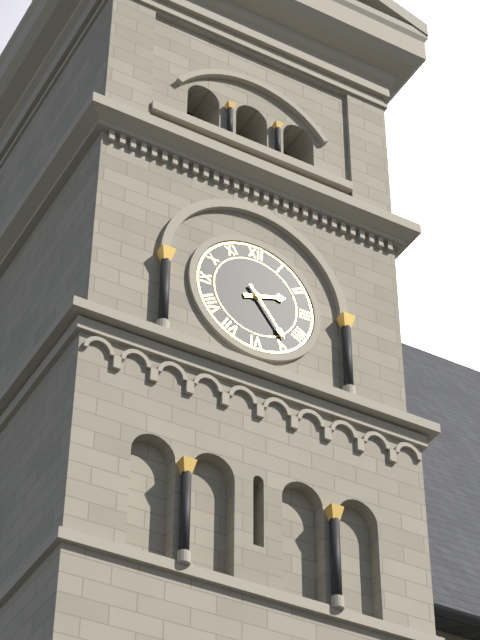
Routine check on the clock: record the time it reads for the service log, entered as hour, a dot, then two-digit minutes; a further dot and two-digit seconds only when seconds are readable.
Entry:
2.24
